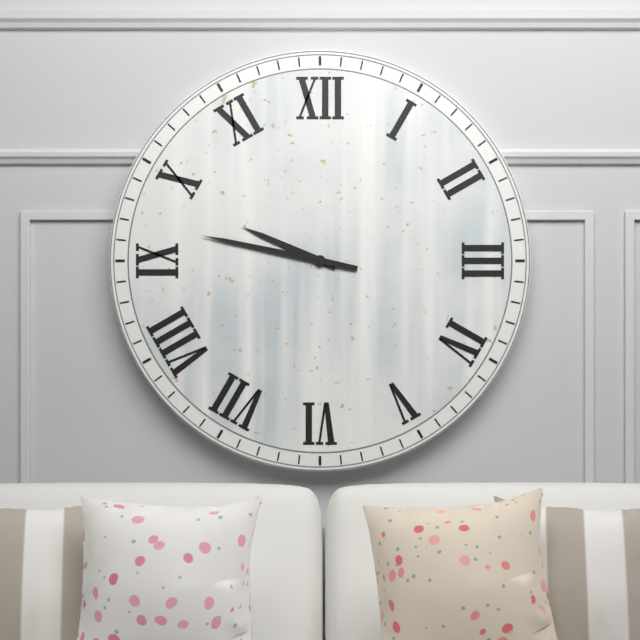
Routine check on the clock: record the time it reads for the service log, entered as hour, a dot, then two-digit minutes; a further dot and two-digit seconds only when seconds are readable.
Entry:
9.47
